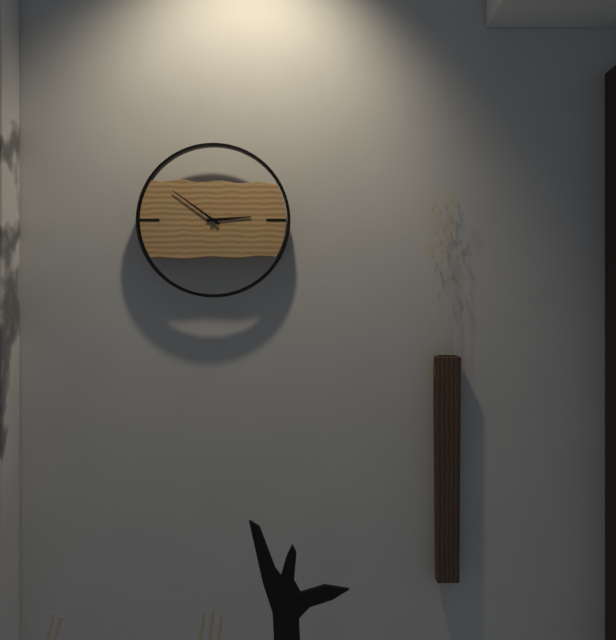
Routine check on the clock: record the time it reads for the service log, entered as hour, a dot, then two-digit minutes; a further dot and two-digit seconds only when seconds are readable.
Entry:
2.51
